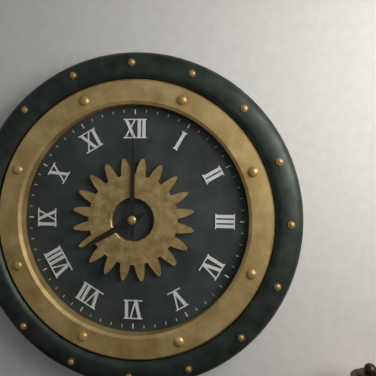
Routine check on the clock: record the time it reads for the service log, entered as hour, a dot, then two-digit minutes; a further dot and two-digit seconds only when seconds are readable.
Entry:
8.00
